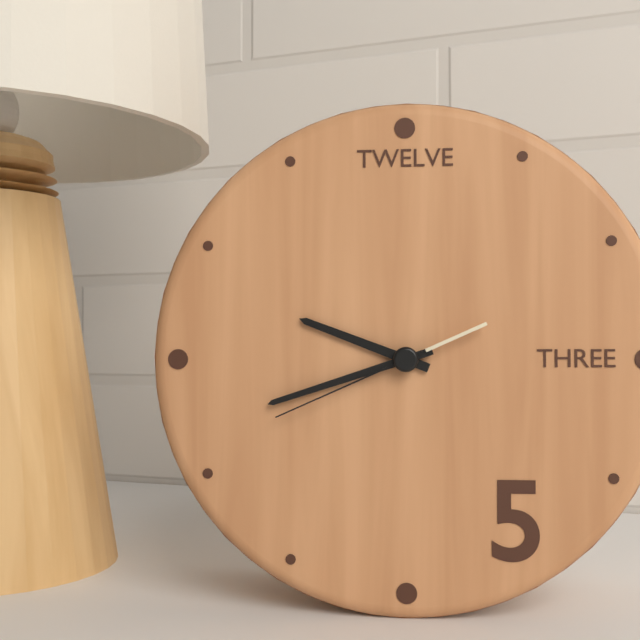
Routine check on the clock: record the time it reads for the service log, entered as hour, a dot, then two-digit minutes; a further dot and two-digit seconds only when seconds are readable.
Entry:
9.42.41
